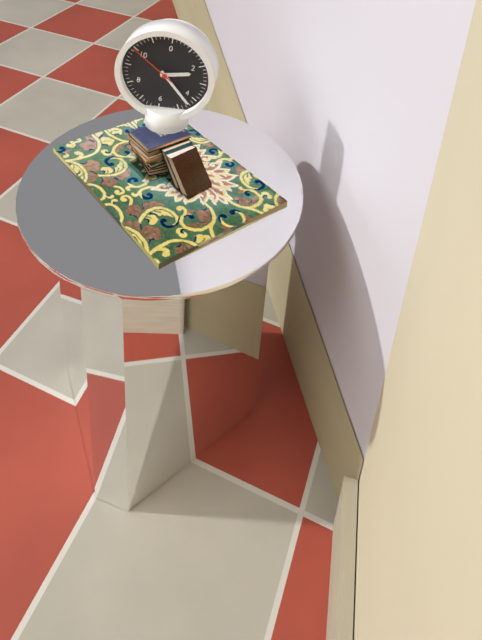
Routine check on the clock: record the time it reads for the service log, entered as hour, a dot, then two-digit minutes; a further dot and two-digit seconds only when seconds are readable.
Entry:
2.22.50
